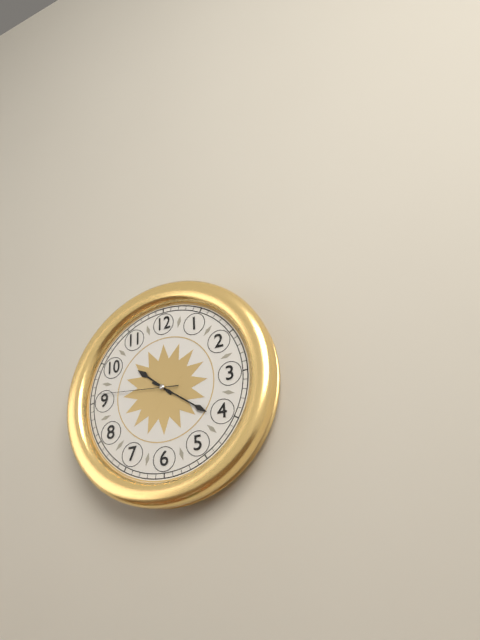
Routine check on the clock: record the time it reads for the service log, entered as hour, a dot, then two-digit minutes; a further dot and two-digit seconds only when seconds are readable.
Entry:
10.21.46
